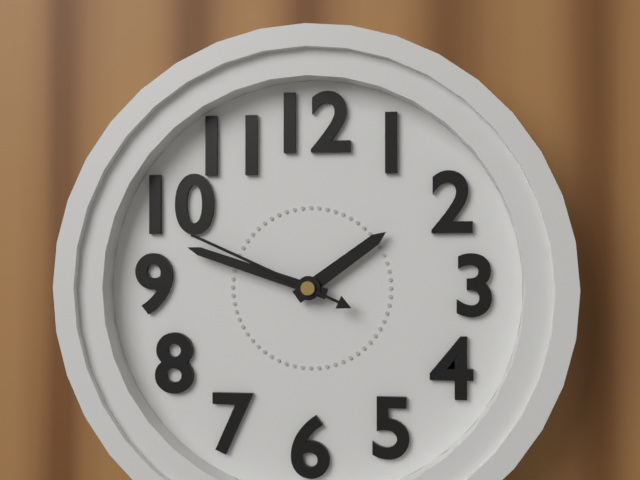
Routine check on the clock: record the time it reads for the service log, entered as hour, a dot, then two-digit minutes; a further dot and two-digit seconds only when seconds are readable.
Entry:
1.48.49
